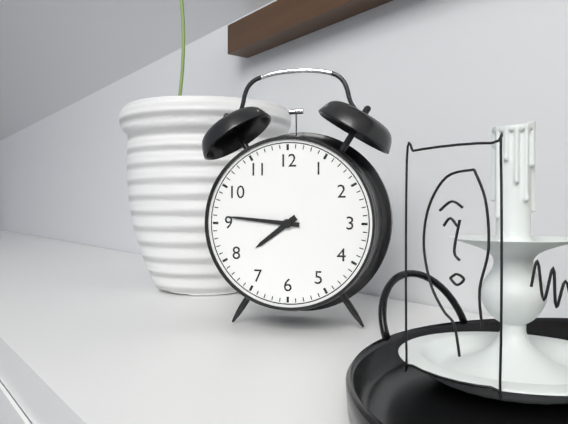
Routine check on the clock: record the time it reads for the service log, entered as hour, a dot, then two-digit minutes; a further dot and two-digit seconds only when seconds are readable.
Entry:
7.46
